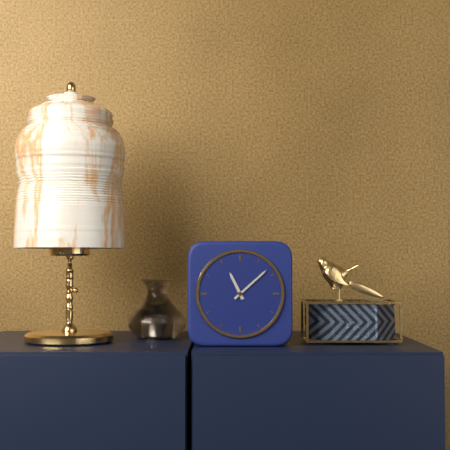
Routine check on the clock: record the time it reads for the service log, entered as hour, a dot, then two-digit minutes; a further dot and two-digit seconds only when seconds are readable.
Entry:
11.08
